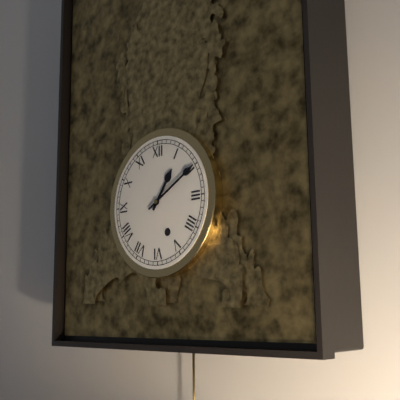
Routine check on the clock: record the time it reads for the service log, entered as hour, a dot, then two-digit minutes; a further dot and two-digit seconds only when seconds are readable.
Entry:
1.10
